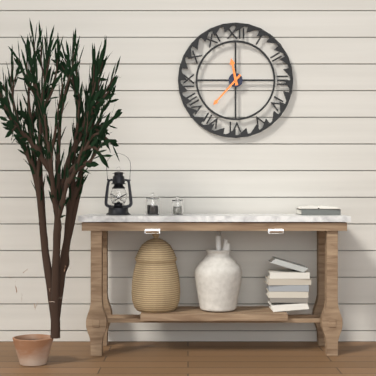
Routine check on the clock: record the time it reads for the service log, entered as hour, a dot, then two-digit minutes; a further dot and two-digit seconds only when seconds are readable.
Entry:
11.37
